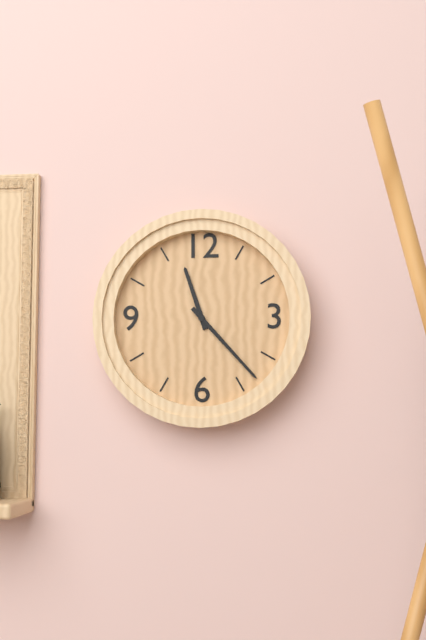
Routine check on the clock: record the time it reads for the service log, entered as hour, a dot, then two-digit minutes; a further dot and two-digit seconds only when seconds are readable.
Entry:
11.23
